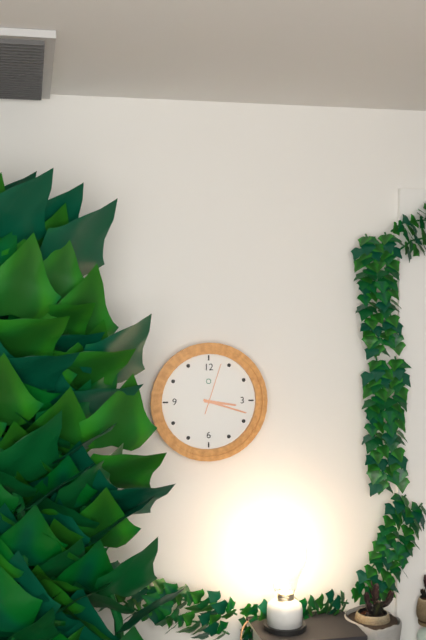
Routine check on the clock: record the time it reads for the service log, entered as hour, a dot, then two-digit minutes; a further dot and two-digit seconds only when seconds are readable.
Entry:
3.18
